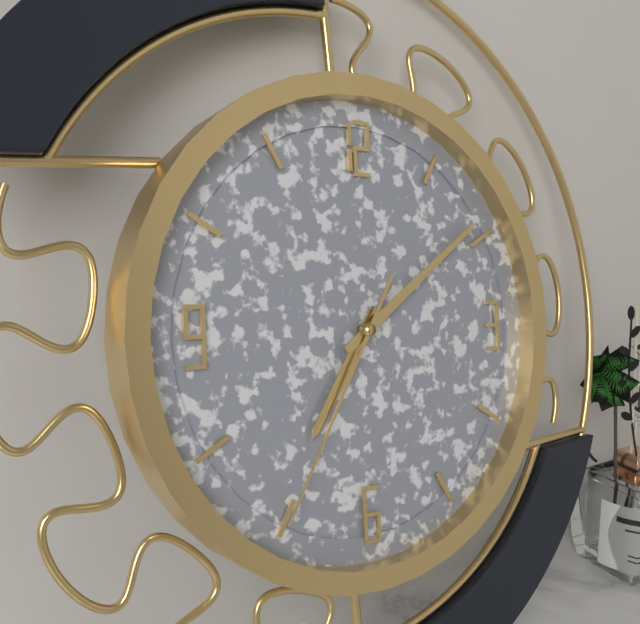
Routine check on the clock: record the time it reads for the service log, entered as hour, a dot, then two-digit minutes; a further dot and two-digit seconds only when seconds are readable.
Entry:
7.09.35
